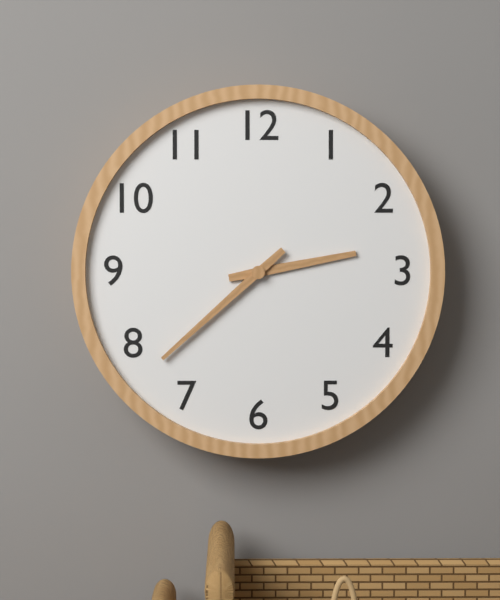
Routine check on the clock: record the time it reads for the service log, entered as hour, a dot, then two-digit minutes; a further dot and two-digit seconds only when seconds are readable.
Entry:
2.38
